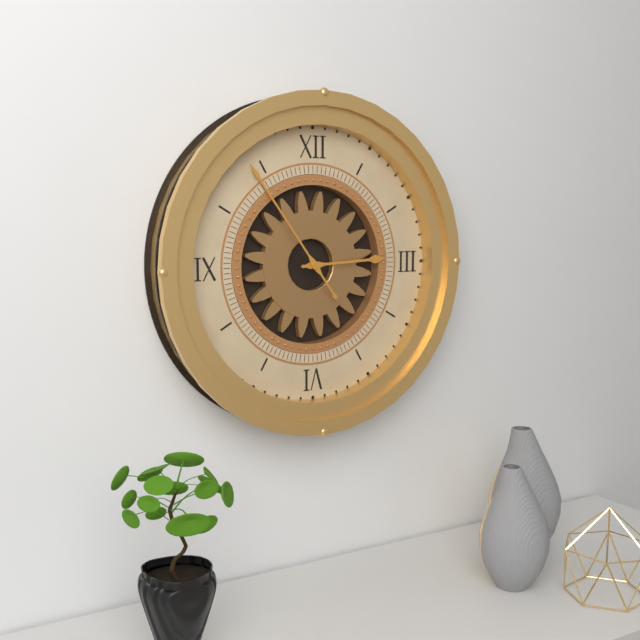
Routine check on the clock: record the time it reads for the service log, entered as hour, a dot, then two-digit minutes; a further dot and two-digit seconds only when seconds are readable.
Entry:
2.54
